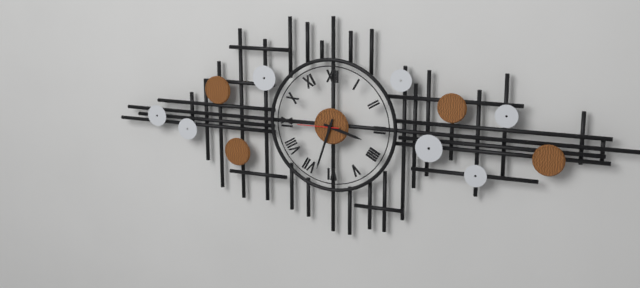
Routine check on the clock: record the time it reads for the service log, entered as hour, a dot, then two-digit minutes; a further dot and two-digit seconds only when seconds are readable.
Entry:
3.33
